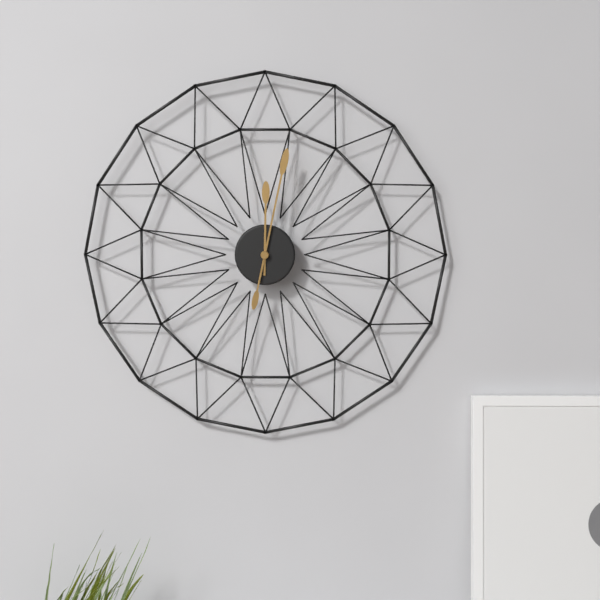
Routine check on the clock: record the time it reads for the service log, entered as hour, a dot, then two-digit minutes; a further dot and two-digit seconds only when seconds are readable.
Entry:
12.02
